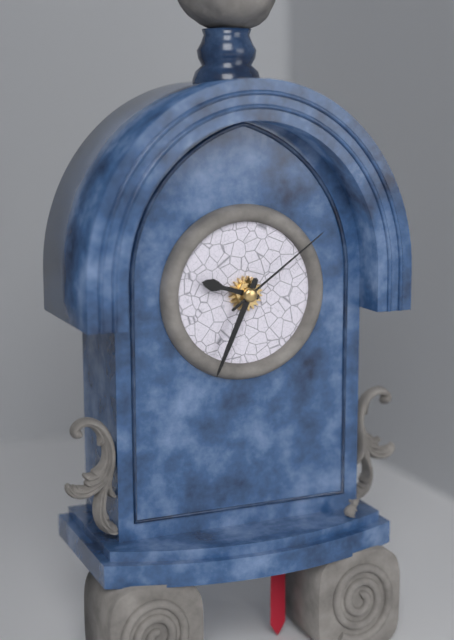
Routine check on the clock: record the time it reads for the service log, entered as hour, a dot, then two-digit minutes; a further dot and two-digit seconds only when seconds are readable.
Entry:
9.34.09
